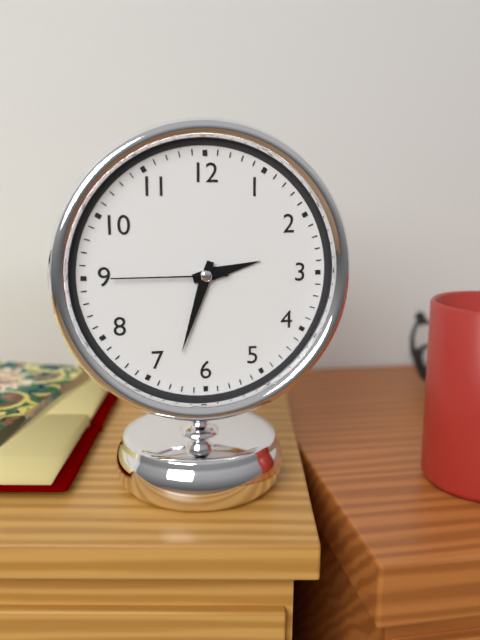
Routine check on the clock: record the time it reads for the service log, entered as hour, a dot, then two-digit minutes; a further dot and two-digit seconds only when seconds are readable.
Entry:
2.33.45
